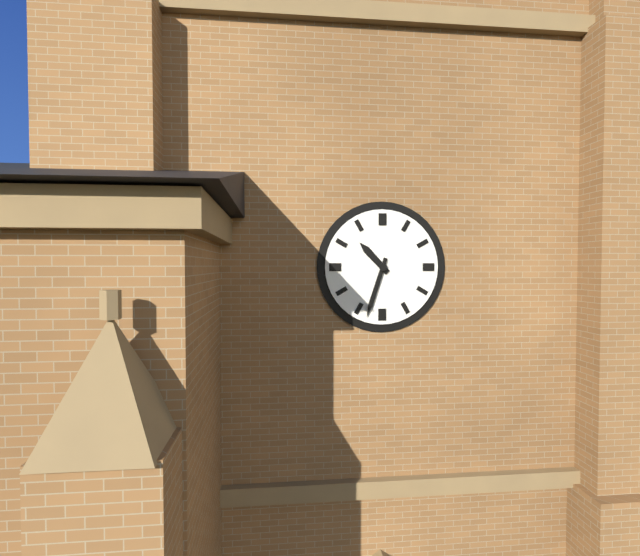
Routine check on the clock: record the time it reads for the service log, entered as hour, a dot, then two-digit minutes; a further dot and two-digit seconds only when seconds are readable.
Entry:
10.33
